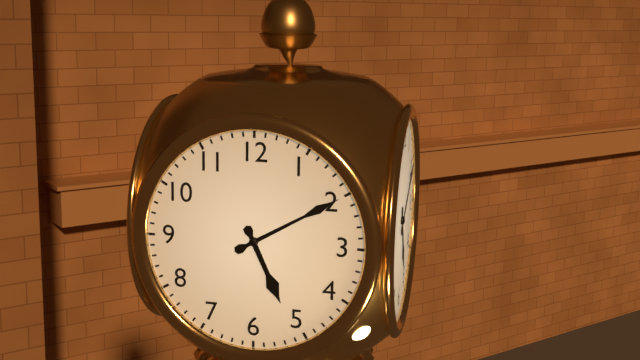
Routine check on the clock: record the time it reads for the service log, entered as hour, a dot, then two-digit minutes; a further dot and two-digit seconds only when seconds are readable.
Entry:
5.10
